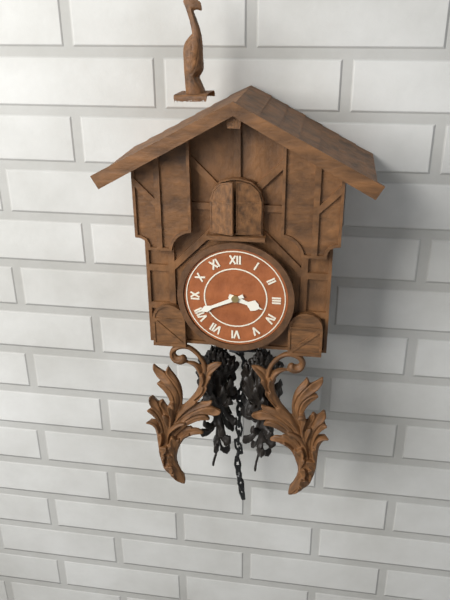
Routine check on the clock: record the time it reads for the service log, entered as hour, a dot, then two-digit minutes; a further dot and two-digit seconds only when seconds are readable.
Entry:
3.41
